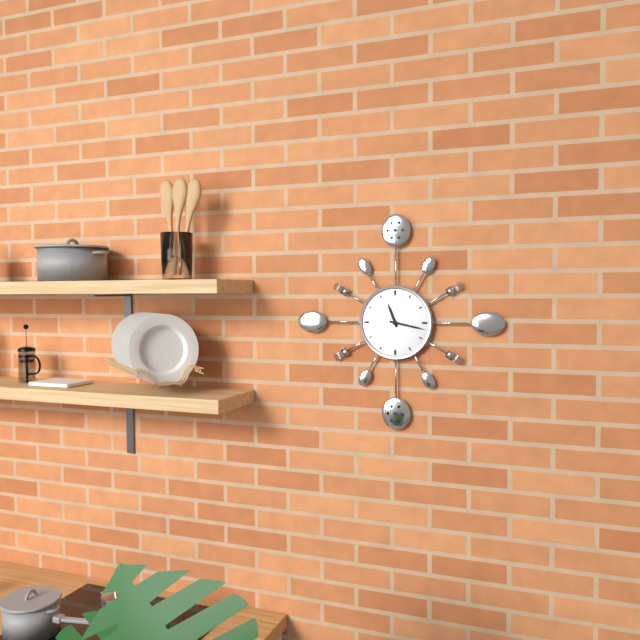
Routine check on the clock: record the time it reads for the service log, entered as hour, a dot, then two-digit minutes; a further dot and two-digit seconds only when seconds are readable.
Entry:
11.17
